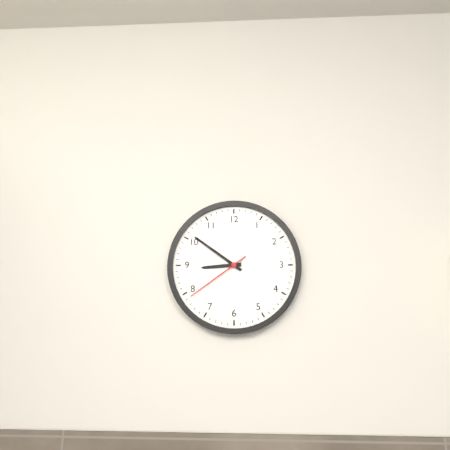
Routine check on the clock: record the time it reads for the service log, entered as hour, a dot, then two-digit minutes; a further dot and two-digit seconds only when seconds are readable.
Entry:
8.51.39
